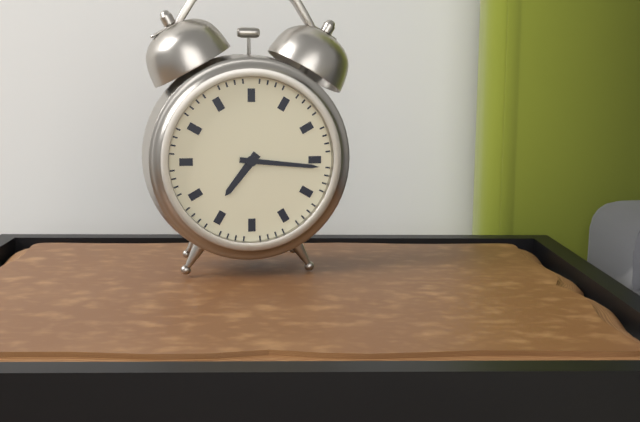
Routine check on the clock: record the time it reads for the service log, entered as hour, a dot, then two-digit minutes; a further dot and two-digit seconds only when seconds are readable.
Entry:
7.16
